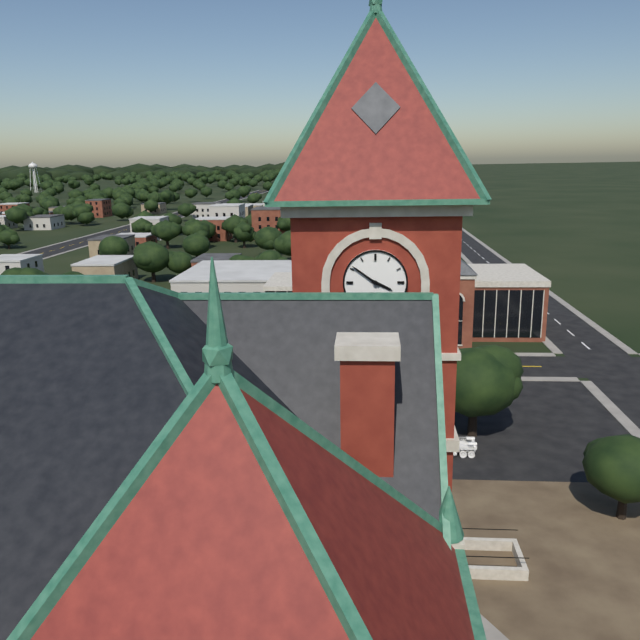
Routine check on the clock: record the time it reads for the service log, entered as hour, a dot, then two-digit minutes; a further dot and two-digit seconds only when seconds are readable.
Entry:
3.51
